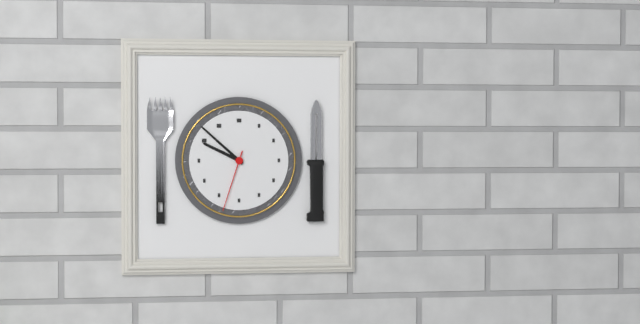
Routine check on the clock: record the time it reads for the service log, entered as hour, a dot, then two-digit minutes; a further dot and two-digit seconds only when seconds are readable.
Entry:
9.52.33
